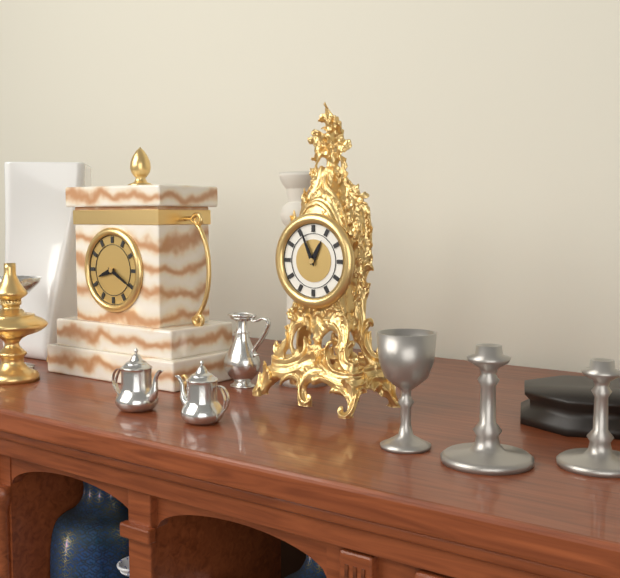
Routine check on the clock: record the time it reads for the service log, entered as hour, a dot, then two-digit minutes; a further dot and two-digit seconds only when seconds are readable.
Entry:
12.56
